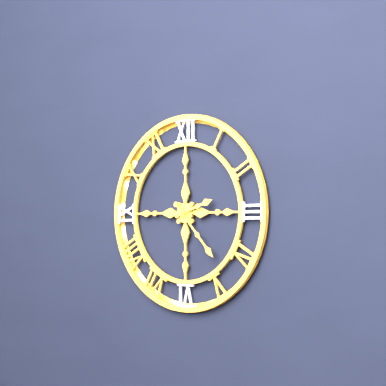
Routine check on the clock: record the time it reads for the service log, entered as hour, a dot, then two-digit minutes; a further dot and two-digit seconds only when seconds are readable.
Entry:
2.23
